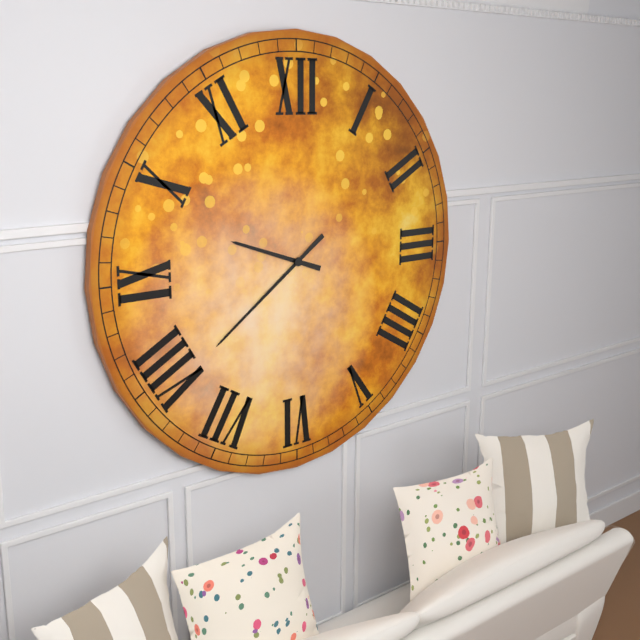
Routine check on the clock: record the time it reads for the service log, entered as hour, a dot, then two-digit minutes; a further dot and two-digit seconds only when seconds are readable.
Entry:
9.39
